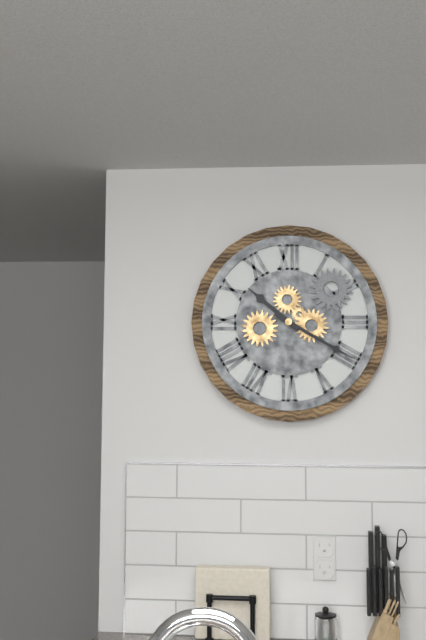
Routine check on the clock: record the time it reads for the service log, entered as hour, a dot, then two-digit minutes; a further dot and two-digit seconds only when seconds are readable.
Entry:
10.20
